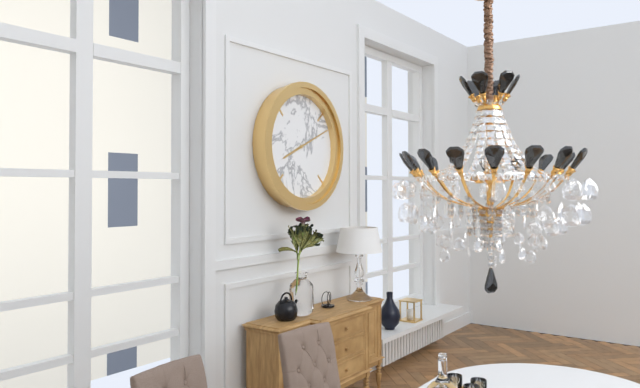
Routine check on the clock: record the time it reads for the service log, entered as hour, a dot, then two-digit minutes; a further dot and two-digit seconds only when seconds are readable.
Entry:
8.11
